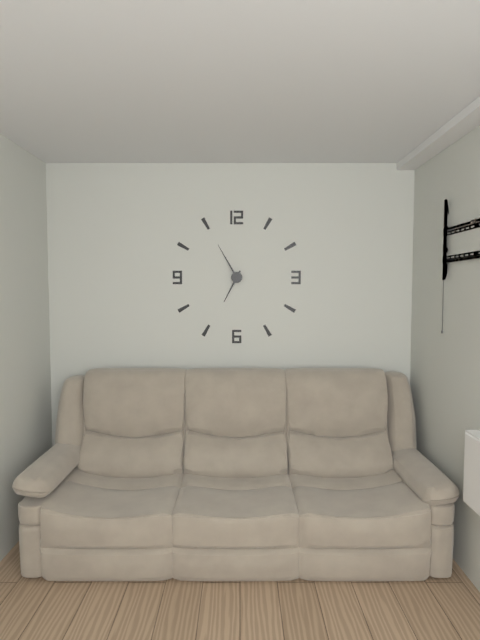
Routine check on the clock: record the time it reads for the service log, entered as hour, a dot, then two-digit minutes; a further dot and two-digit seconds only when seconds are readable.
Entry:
6.55
